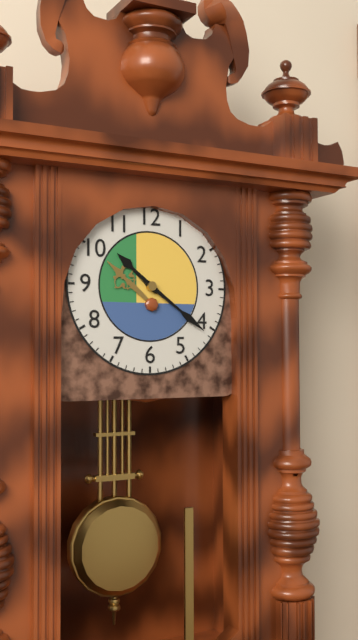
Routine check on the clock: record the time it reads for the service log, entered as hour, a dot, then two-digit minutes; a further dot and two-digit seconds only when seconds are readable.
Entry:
10.21
